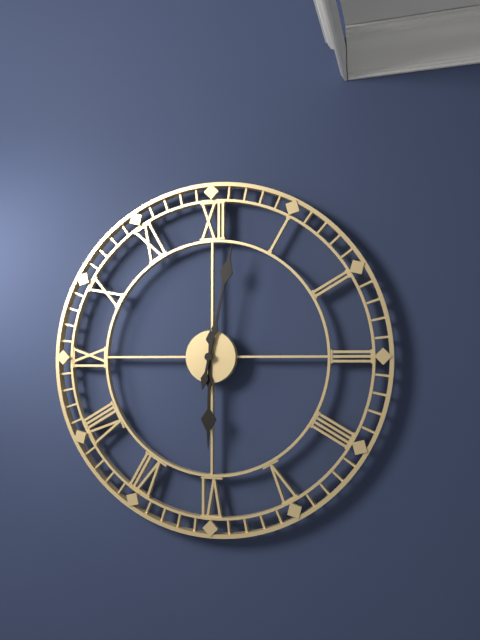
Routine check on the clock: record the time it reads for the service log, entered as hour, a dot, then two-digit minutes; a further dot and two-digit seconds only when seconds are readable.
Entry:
6.02
